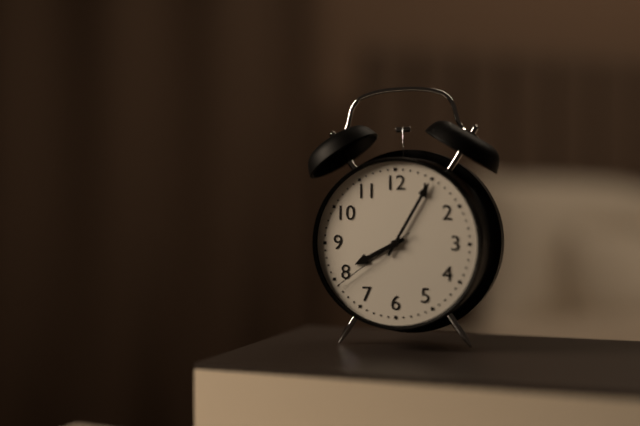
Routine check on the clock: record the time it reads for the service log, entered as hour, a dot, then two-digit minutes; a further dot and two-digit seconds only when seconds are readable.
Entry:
8.05.39
